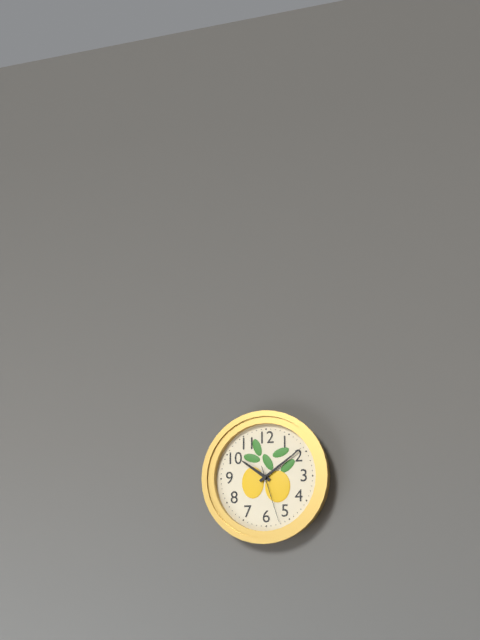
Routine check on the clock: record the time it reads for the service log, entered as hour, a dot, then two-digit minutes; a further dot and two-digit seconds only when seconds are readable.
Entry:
10.09.27
